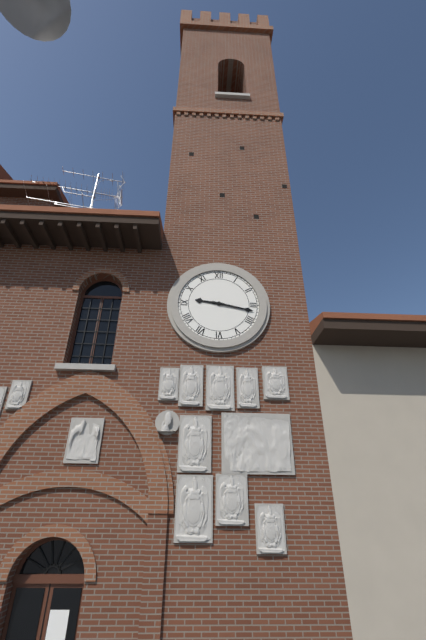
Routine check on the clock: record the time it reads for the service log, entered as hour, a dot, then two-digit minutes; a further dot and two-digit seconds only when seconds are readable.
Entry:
9.17
